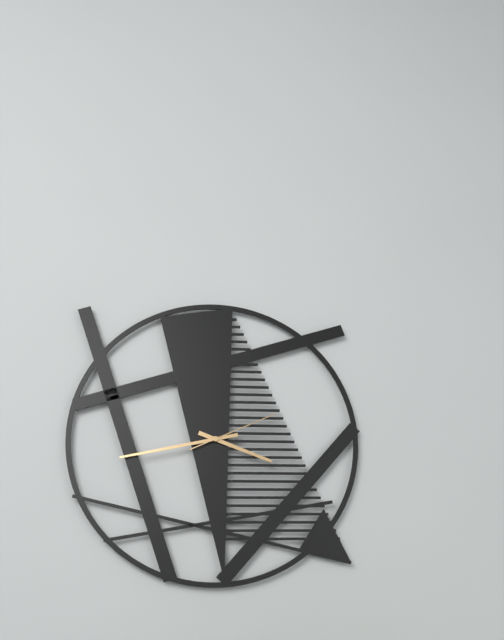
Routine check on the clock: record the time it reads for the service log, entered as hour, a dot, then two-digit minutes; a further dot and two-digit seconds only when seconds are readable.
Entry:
3.43.11
